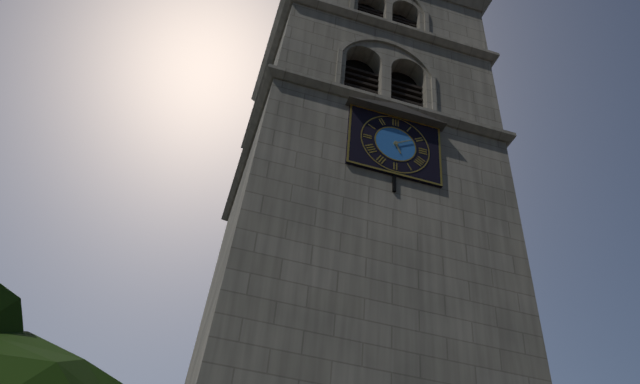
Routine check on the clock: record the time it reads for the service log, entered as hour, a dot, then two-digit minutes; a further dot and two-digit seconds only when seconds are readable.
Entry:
5.10
